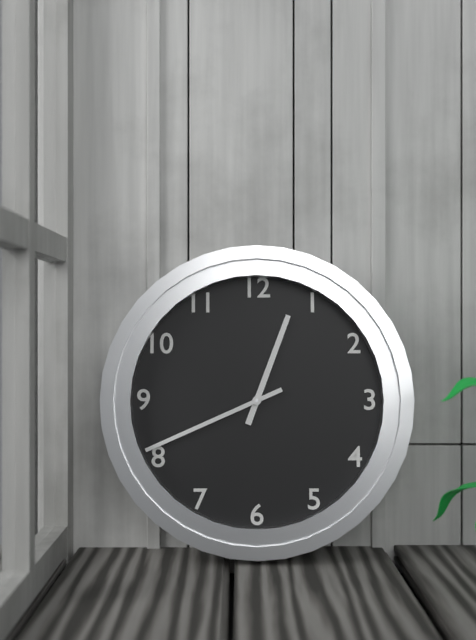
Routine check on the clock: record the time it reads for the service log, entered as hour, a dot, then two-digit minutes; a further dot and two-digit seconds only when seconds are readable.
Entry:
12.41
